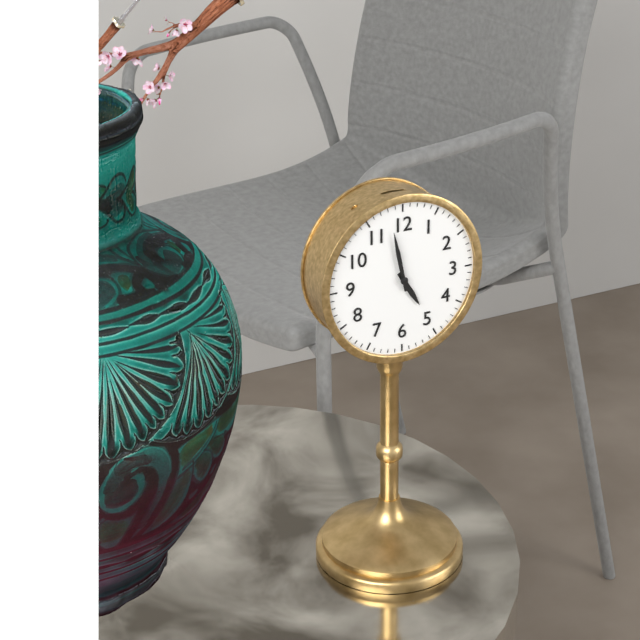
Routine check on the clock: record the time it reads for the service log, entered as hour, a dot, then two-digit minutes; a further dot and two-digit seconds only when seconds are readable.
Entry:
4.58
